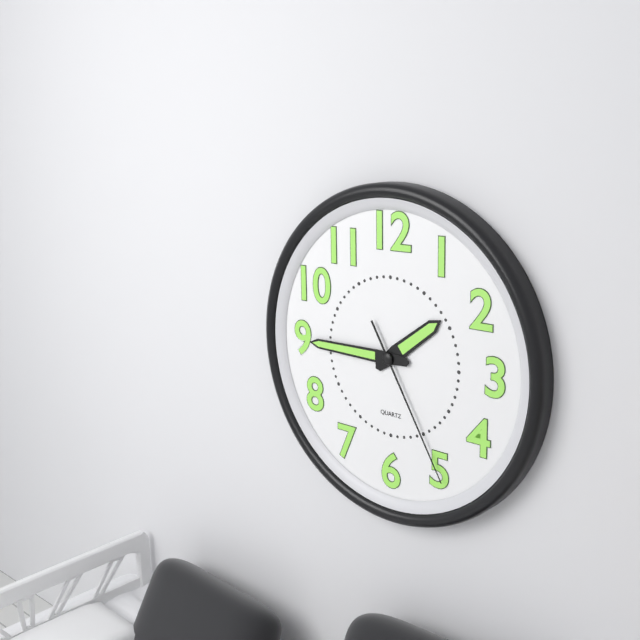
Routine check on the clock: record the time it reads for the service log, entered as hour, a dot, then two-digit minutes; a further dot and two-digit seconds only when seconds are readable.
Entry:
1.45.25
